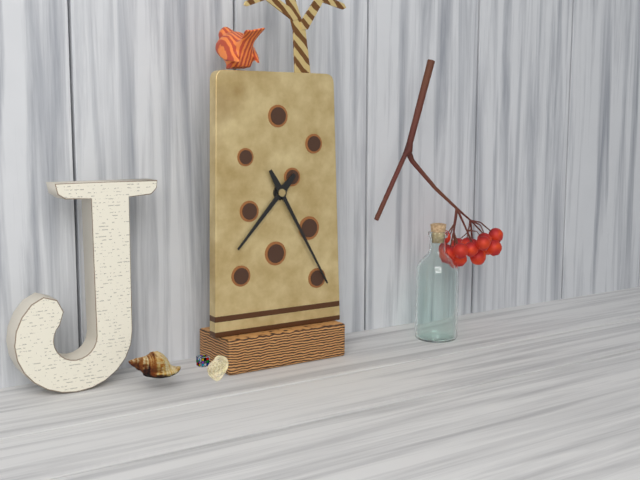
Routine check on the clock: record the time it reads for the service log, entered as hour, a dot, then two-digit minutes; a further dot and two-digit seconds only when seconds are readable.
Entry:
7.25
